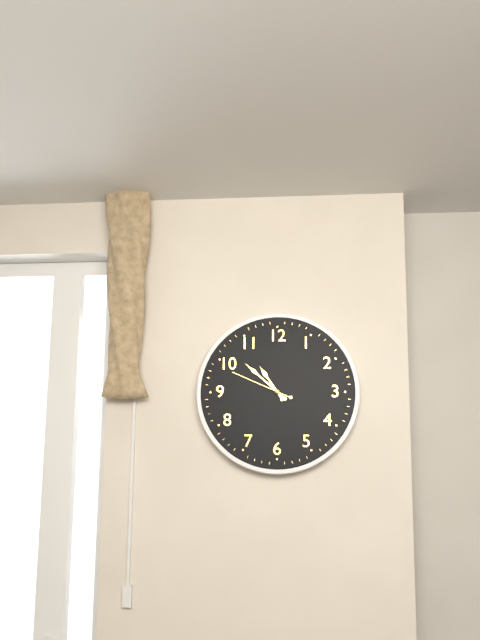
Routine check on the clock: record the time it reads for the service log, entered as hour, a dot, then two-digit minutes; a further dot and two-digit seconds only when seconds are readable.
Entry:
10.52.49
